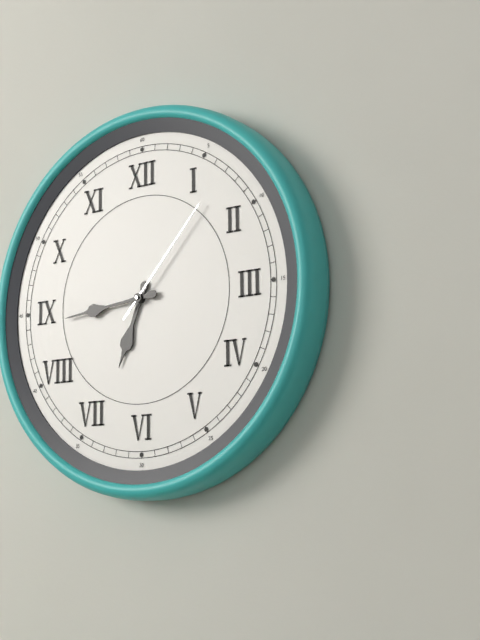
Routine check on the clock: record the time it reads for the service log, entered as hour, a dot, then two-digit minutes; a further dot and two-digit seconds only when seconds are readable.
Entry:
6.44.07
